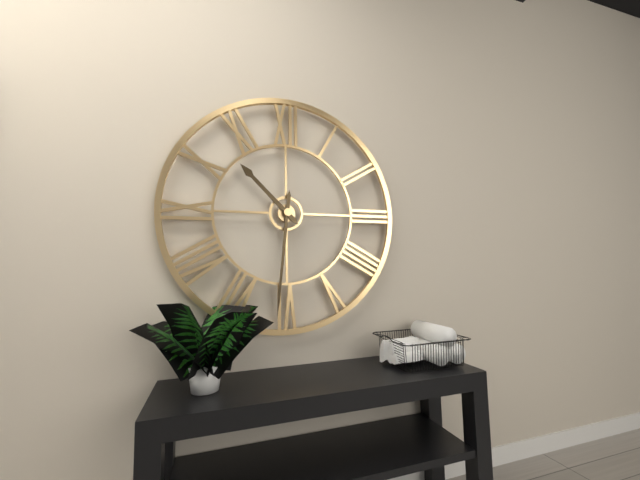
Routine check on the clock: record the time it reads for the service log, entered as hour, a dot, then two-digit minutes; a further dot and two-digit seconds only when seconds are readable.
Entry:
10.31
